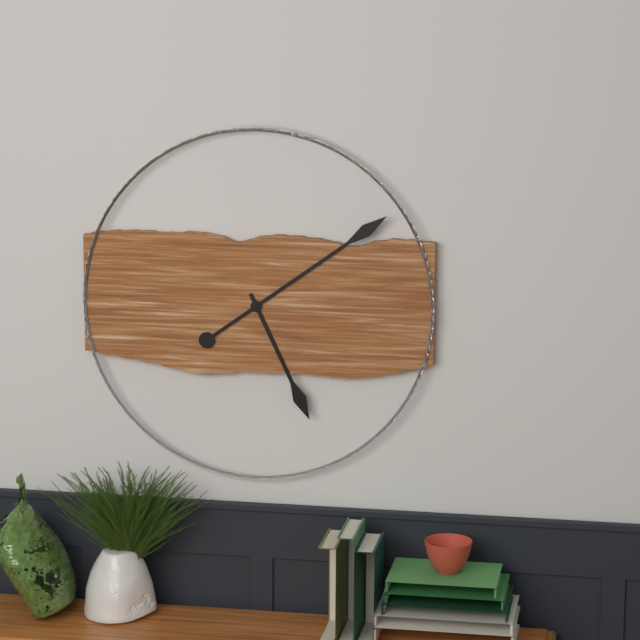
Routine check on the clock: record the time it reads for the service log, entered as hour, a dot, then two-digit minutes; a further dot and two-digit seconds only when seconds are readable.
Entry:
5.09
